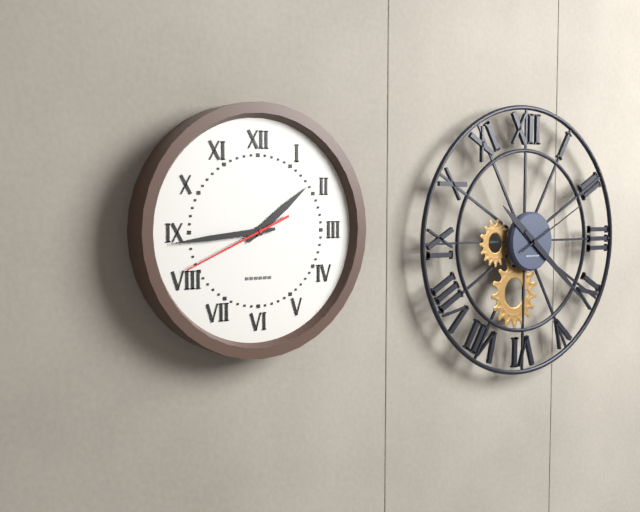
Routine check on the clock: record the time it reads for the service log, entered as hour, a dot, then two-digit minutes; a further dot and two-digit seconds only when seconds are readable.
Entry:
1.44.41
